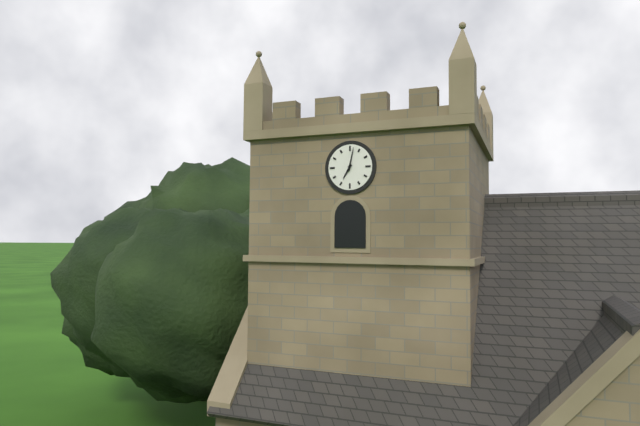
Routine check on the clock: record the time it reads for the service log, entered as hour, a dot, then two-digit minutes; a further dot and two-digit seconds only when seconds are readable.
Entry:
7.02
